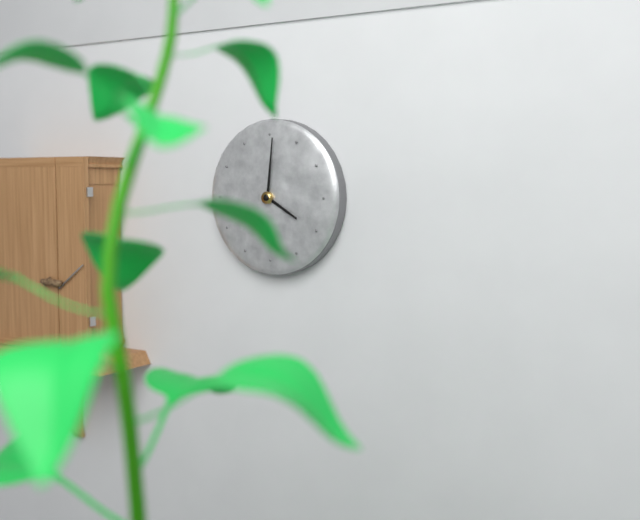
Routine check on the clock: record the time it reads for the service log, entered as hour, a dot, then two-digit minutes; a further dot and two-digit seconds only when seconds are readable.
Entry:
4.01
